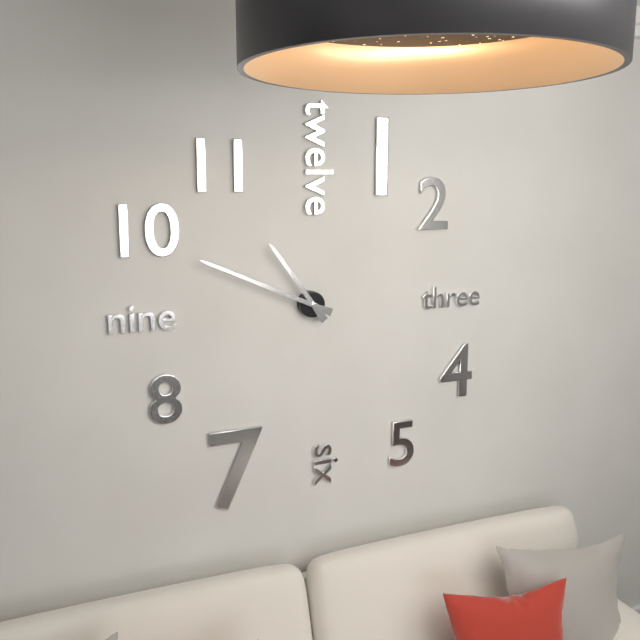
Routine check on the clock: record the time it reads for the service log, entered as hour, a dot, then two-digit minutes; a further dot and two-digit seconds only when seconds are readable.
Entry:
10.49
